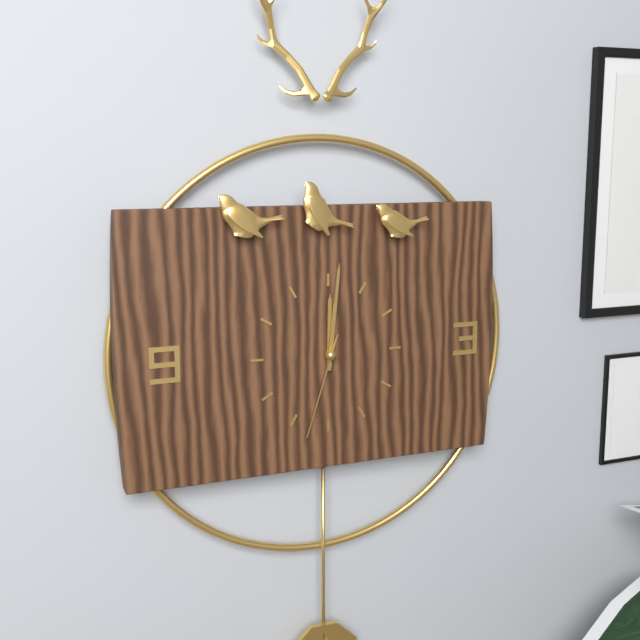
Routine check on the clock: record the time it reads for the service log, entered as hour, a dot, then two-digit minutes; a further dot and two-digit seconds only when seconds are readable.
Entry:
12.01.33
